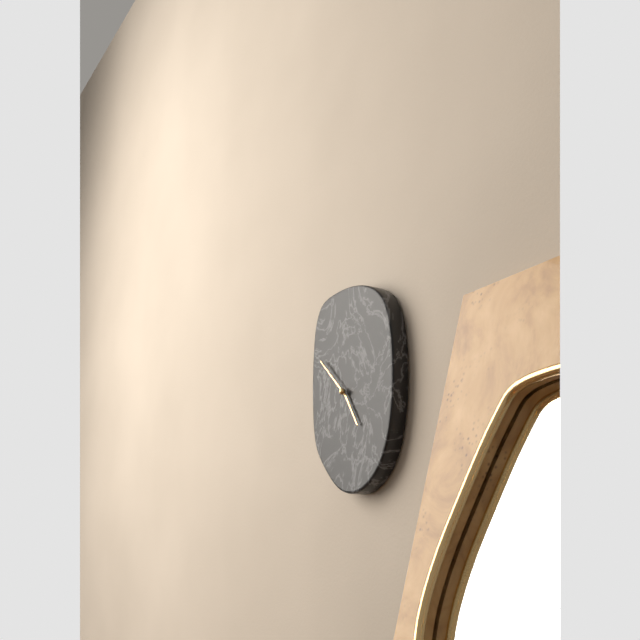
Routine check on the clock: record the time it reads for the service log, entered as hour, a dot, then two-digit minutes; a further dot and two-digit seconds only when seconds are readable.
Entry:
4.52
